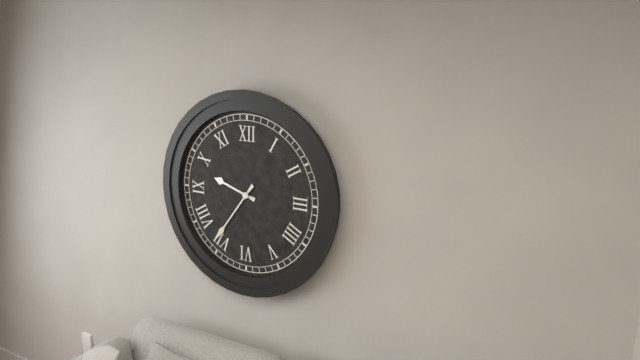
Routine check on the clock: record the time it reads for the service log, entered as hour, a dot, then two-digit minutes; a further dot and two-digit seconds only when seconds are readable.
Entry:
9.36
